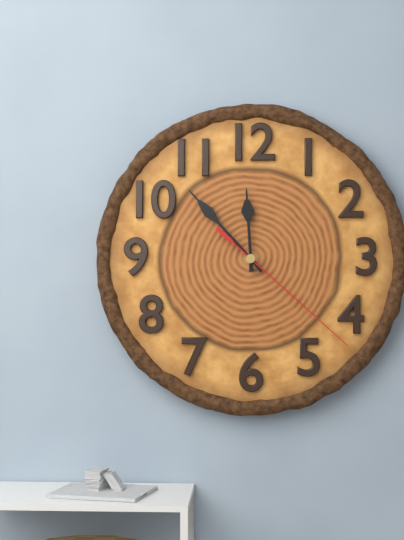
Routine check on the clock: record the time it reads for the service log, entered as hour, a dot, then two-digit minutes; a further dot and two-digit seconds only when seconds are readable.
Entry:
11.53.22
